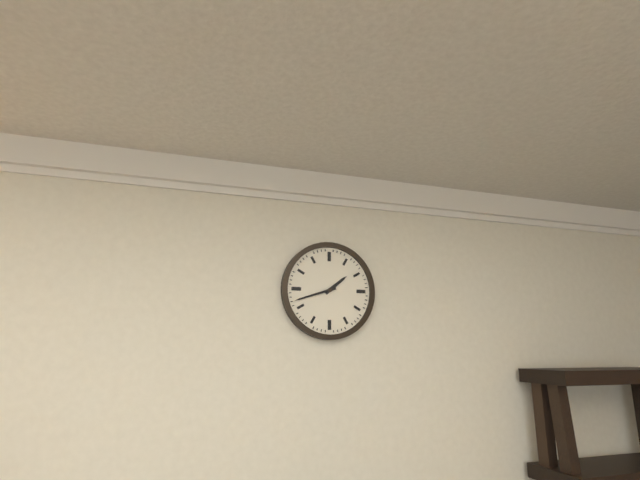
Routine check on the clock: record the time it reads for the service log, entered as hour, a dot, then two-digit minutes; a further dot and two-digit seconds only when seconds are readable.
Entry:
1.42
